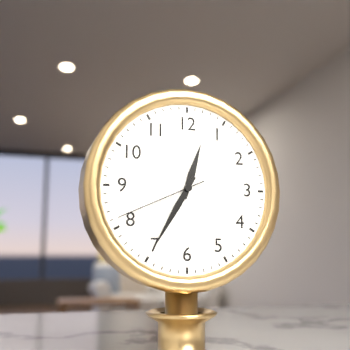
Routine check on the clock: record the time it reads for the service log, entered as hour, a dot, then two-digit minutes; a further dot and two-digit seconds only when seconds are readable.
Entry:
12.35.41
